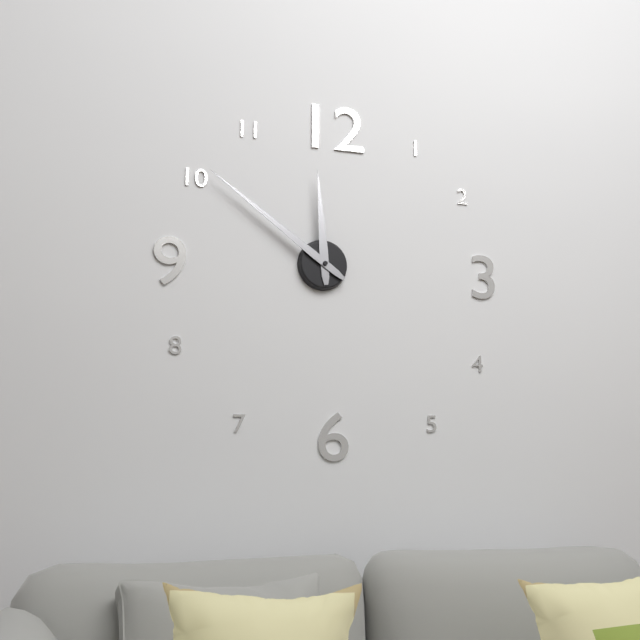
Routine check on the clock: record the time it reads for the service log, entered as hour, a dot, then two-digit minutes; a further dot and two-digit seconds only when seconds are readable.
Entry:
11.51
